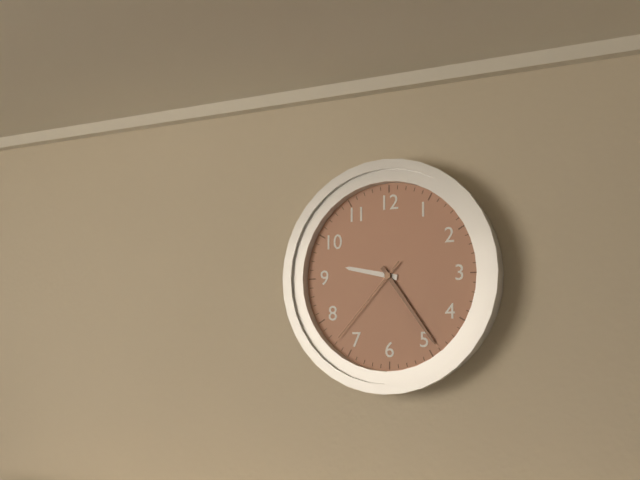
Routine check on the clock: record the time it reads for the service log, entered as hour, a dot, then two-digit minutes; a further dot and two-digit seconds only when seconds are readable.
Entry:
9.24.37
